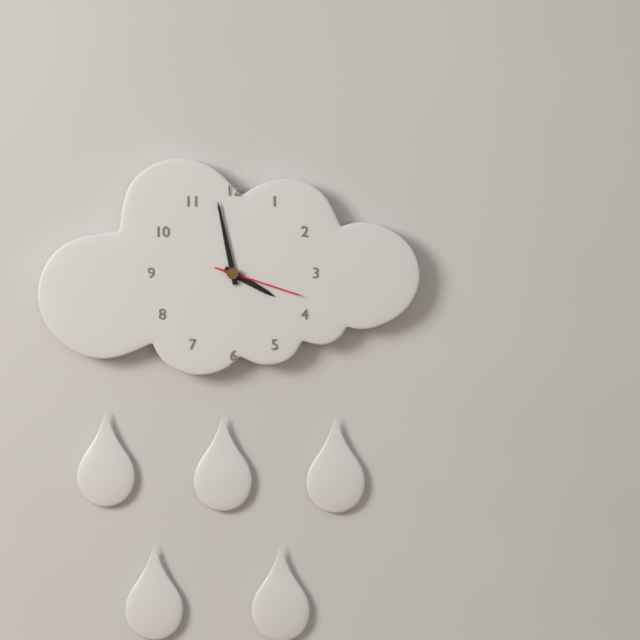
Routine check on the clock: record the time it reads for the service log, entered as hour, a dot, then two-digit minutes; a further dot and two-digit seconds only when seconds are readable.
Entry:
3.58.18
